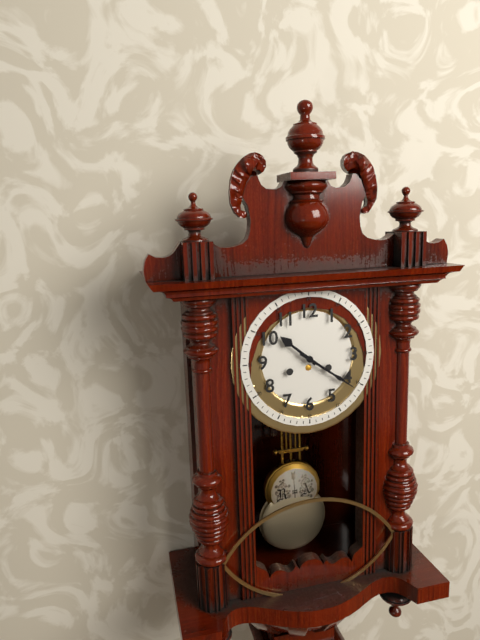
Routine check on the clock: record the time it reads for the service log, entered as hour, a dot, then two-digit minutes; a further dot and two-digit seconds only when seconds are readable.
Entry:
10.21
